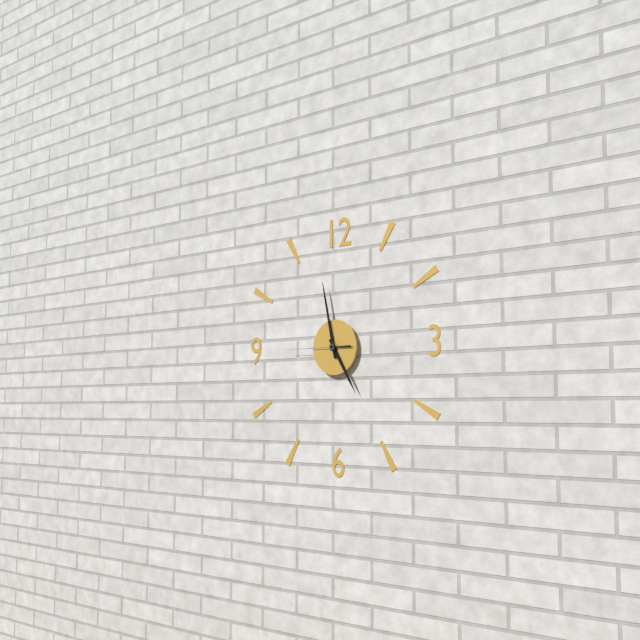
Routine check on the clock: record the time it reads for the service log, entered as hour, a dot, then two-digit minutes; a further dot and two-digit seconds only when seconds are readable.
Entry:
4.58.45
